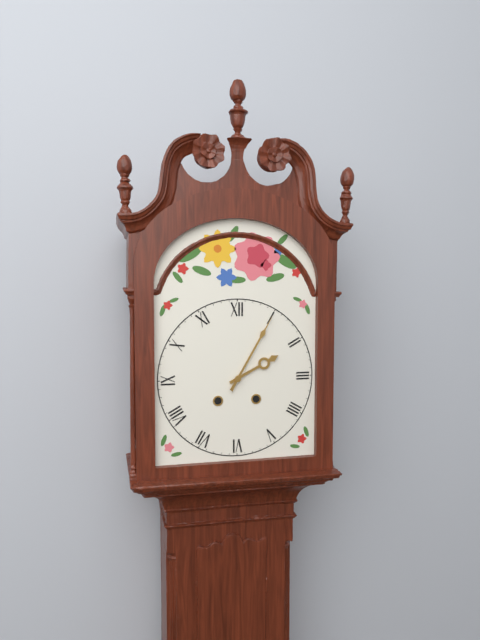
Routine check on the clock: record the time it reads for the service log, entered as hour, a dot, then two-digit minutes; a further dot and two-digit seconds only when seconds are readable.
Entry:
2.05
